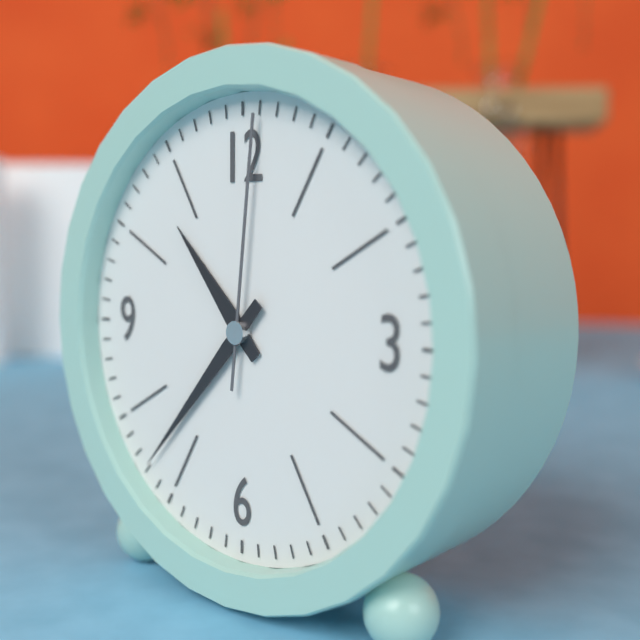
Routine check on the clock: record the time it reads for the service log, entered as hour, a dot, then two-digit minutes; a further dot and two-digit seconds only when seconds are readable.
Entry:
10.37.01
